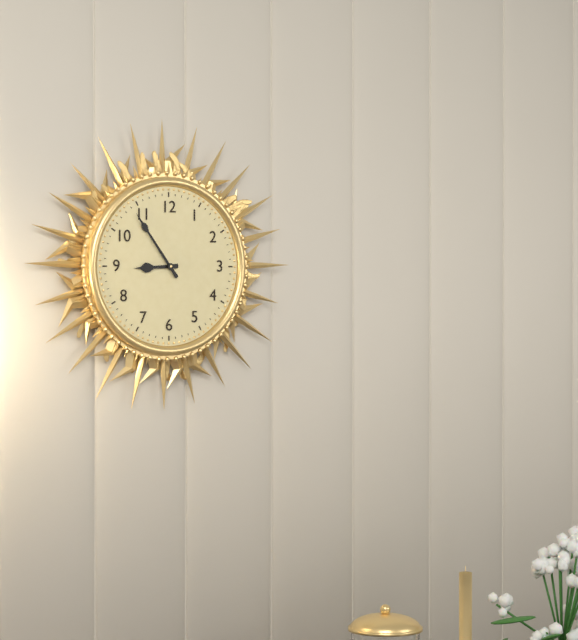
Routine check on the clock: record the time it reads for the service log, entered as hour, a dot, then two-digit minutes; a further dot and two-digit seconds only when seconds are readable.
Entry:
8.54
